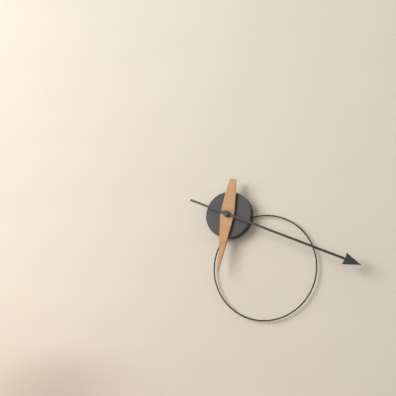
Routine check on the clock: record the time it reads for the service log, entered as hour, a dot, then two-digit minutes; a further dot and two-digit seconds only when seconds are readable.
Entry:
6.19
